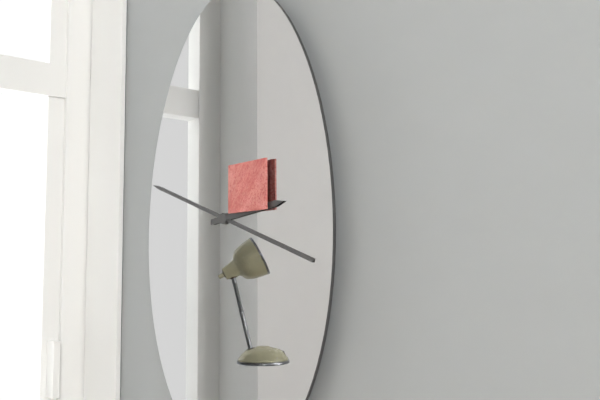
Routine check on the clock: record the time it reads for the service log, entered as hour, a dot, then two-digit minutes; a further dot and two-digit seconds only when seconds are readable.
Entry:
2.48
